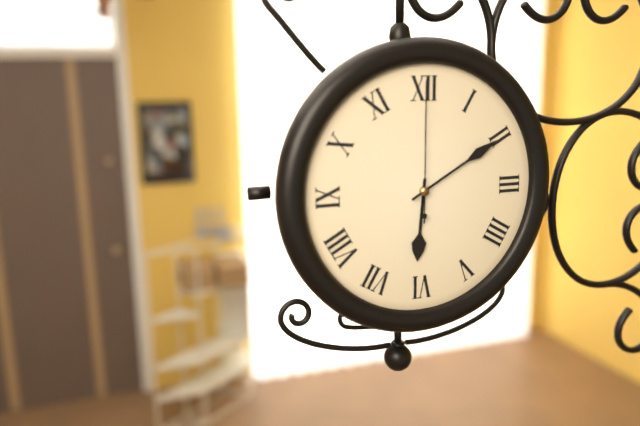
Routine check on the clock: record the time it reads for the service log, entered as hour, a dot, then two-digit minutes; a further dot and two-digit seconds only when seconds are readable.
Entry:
6.10.00
